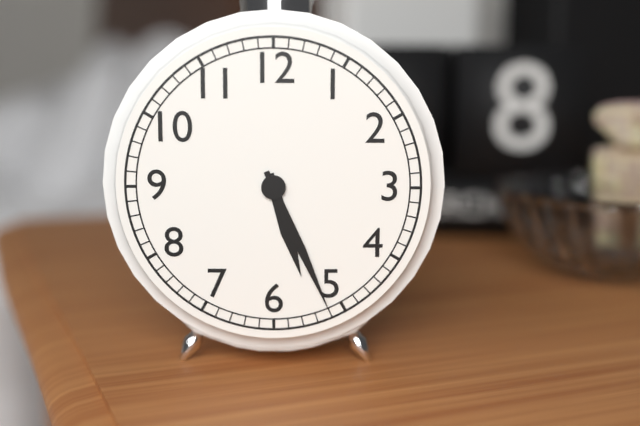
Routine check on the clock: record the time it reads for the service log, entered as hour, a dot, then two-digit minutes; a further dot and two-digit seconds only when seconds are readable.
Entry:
5.26
